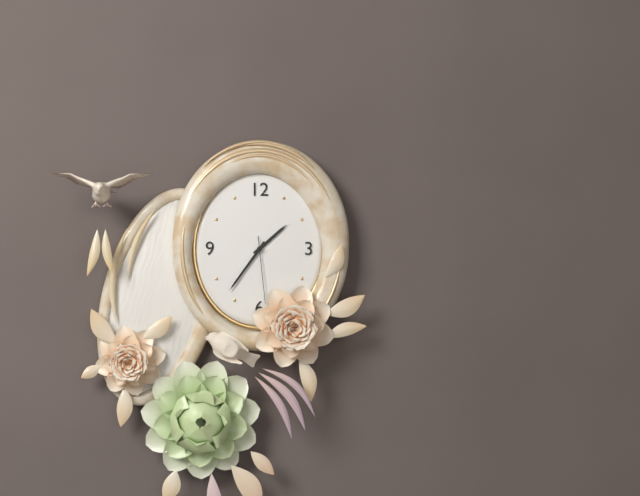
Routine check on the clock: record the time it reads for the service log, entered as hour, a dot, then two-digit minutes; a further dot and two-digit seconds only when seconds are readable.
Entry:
1.36.29
